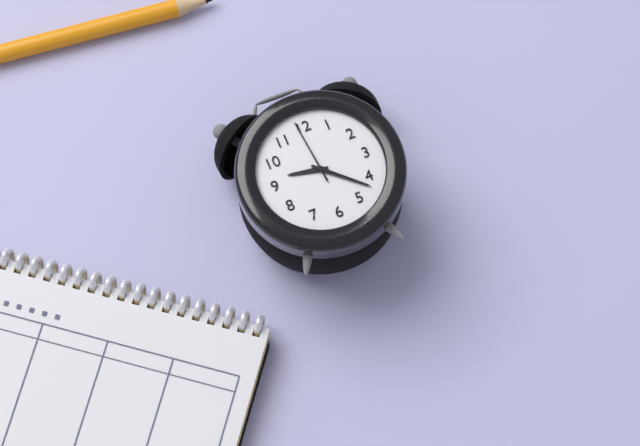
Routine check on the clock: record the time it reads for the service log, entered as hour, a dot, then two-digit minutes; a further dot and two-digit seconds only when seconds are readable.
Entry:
9.22.59
